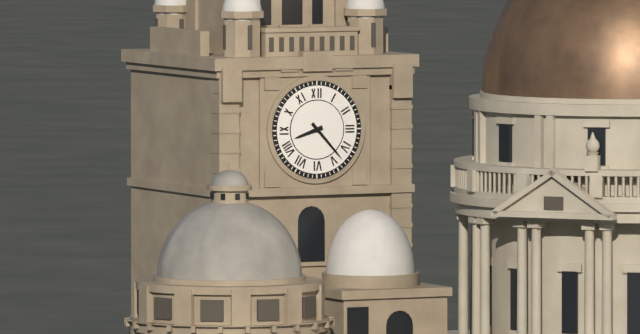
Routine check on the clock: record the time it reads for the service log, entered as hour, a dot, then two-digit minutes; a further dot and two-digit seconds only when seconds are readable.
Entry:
8.23
